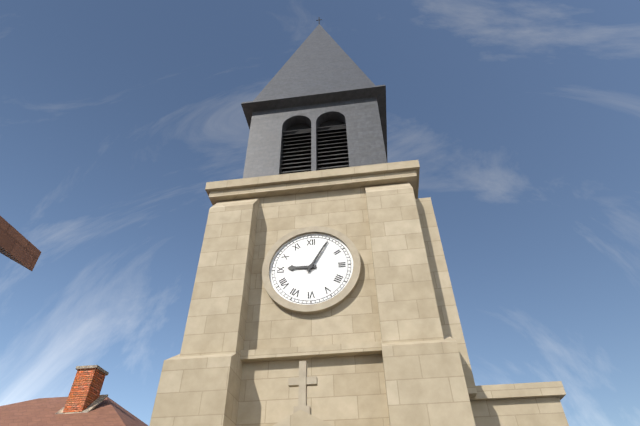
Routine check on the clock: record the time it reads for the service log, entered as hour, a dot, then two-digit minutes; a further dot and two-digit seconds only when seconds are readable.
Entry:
9.05
